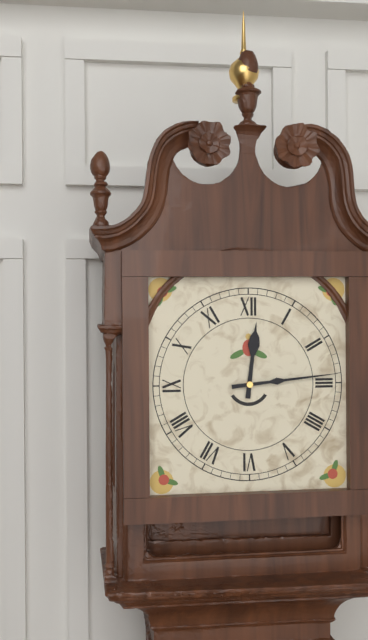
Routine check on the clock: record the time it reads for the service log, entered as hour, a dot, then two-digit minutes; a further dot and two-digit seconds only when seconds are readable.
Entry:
12.14
